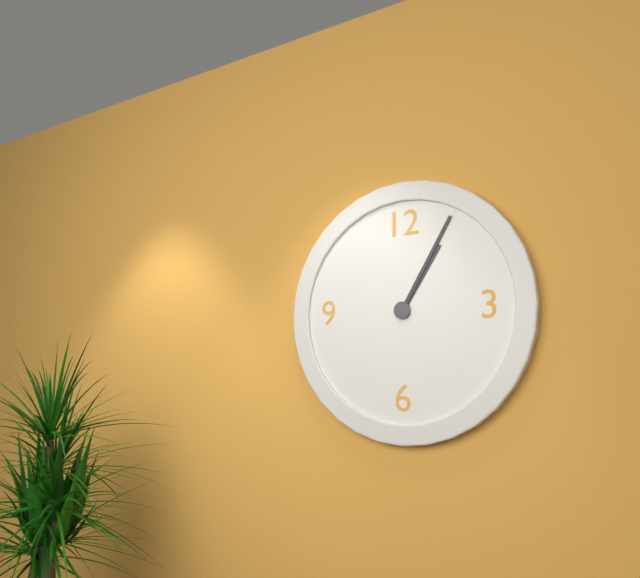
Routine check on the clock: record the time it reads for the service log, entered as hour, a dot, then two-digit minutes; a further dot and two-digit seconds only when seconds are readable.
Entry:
1.05
